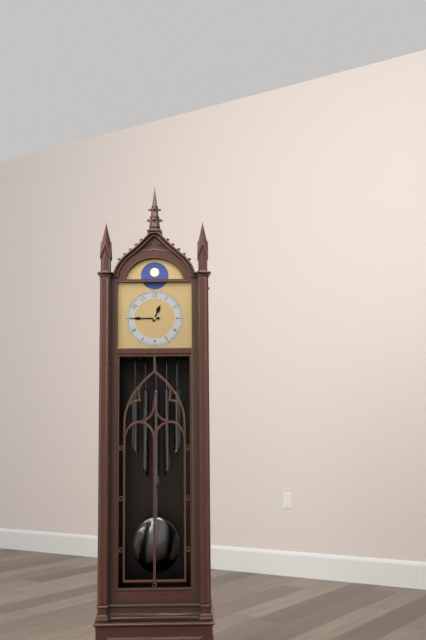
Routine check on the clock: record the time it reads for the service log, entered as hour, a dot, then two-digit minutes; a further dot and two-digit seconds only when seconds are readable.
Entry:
12.45
